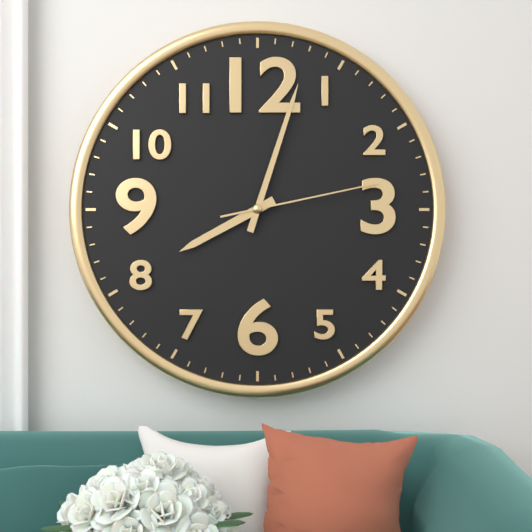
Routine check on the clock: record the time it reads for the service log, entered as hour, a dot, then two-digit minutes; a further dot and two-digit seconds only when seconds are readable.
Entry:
8.03.13
